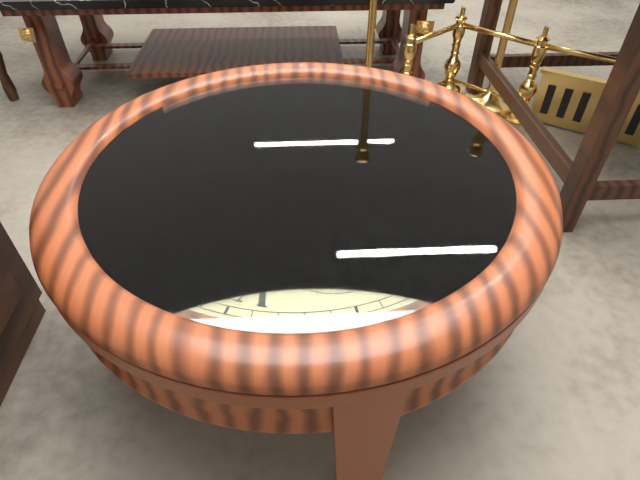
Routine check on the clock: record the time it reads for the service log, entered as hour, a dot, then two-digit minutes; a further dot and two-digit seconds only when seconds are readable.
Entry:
10.57.28
